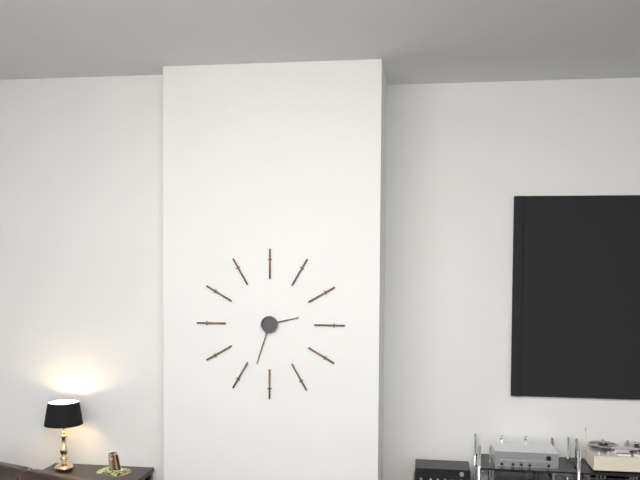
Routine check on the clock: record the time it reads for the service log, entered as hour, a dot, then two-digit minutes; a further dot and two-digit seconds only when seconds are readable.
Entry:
2.33
